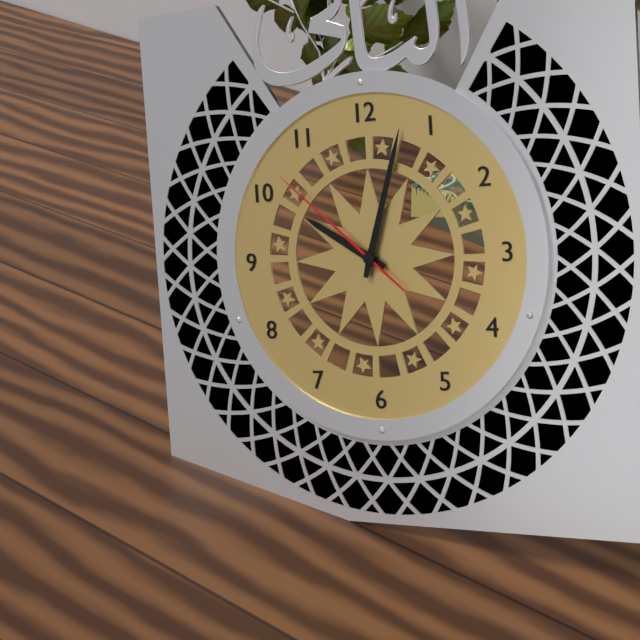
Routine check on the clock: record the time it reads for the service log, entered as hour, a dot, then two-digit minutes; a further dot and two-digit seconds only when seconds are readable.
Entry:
10.03.52
